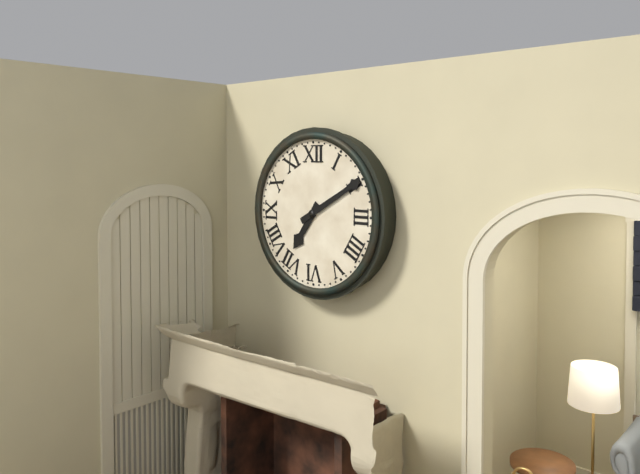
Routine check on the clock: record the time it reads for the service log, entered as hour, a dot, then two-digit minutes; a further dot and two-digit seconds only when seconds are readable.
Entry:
7.10
